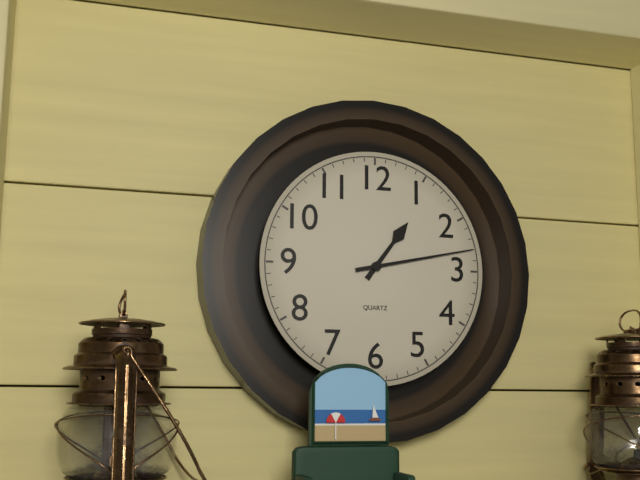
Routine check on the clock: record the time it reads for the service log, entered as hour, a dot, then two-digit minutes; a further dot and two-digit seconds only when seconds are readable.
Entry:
1.13
